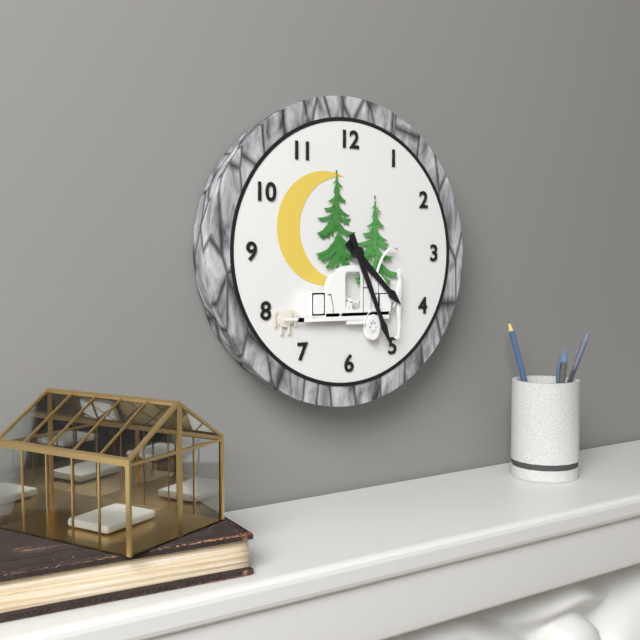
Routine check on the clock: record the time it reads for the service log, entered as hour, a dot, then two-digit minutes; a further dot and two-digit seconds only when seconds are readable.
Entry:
4.26
